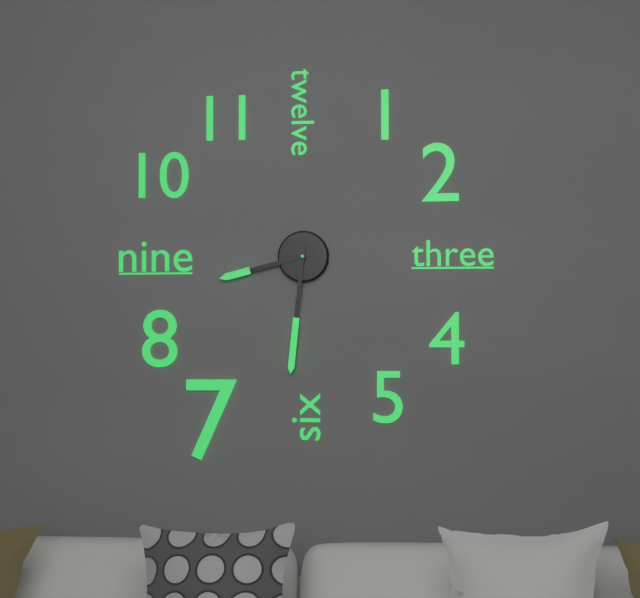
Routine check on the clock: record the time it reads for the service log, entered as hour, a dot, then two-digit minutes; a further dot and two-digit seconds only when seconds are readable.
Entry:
8.31
